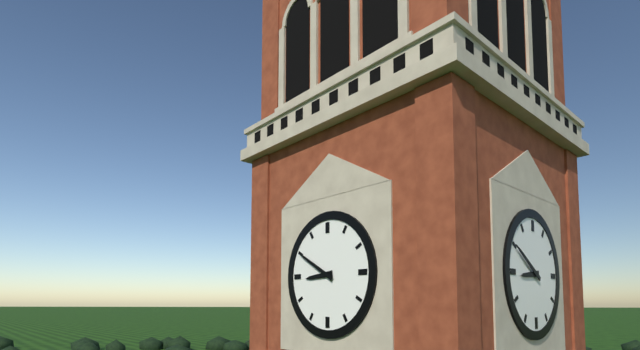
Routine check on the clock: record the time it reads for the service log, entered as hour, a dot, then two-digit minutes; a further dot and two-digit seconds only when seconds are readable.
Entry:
8.50
